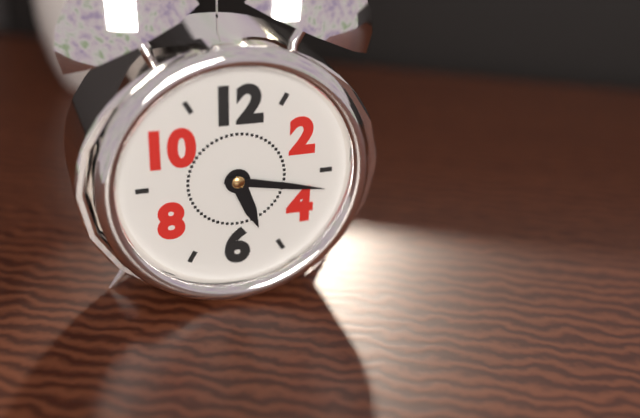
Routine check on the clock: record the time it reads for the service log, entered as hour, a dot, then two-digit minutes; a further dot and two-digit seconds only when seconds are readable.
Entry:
5.17
